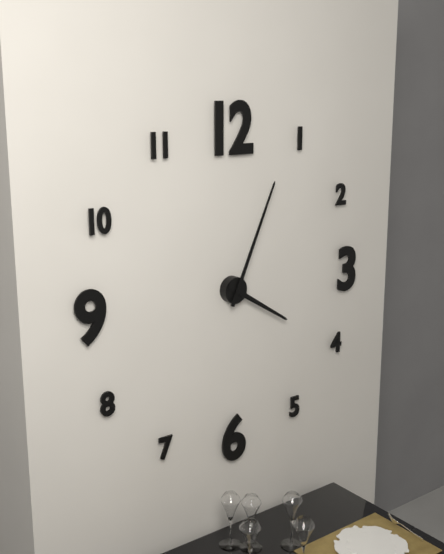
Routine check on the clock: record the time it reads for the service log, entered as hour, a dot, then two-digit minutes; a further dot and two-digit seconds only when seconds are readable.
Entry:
4.04
